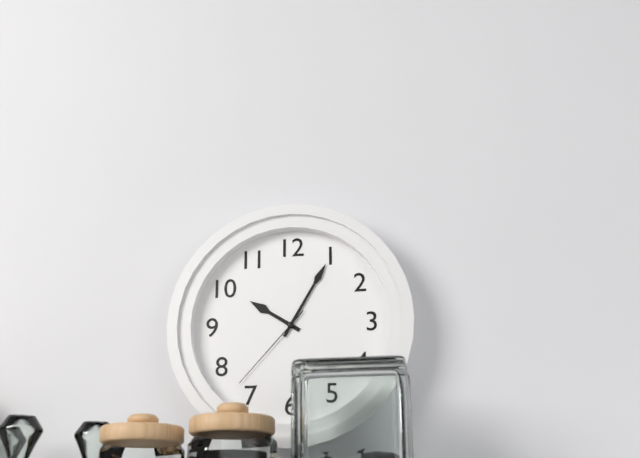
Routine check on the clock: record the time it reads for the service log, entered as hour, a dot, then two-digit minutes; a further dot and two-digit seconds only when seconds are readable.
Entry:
10.05.37
